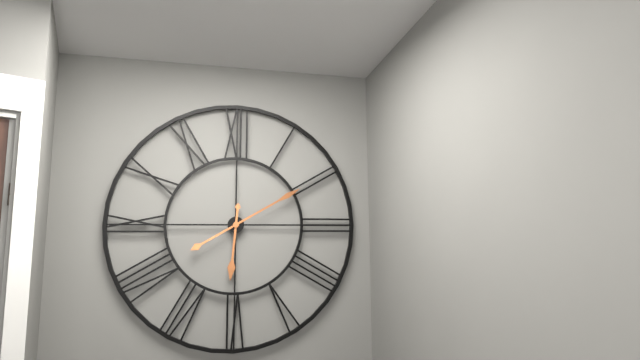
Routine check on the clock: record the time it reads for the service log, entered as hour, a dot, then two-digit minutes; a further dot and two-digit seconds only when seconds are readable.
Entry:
6.10
